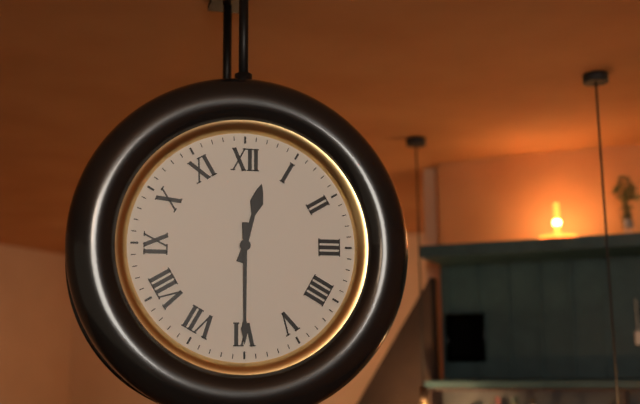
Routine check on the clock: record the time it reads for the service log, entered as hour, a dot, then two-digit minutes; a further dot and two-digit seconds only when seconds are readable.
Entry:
12.30
